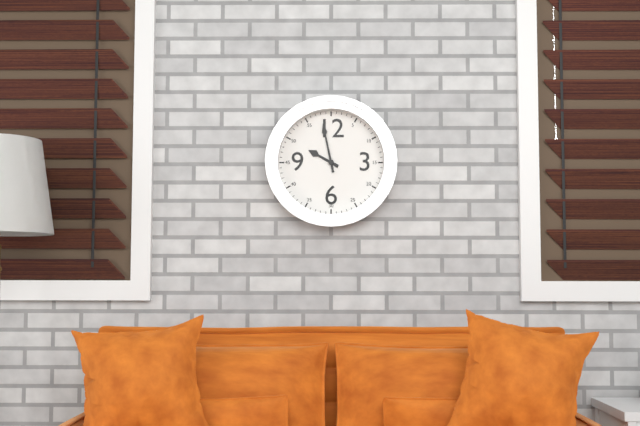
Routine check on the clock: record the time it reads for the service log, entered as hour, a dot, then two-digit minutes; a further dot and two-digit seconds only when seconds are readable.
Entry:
9.58
